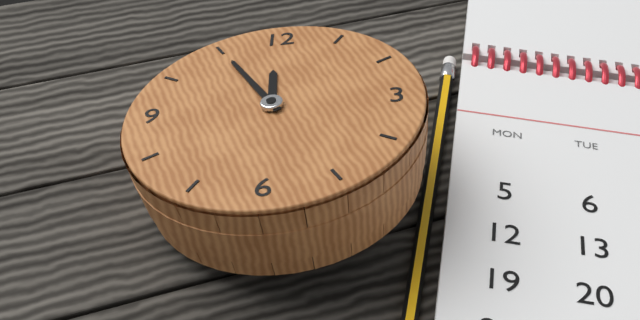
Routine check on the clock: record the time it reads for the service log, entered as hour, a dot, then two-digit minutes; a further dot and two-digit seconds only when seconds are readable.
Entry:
11.55
